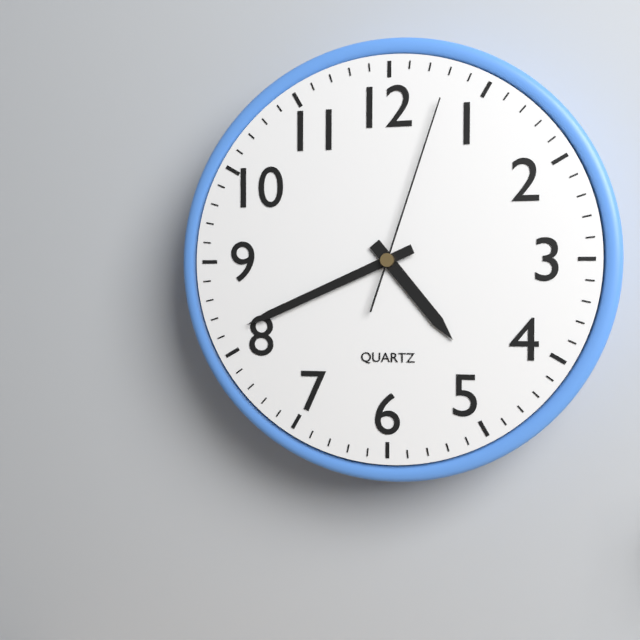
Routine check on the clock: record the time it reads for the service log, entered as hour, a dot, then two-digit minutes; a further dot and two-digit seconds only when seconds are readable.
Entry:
4.41.03
